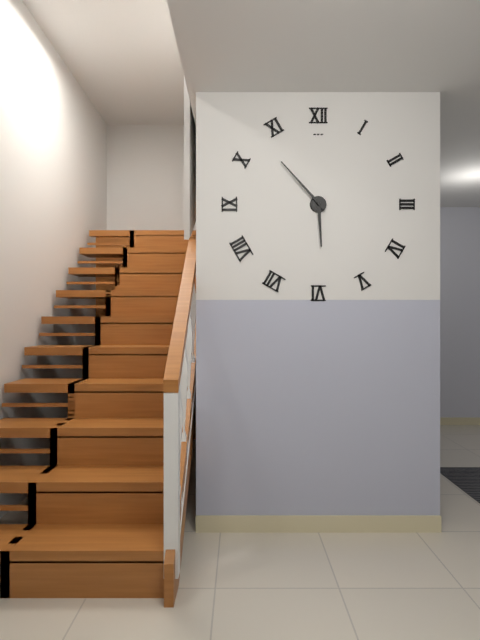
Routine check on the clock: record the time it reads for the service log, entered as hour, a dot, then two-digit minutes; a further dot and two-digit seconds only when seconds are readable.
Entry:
5.53
